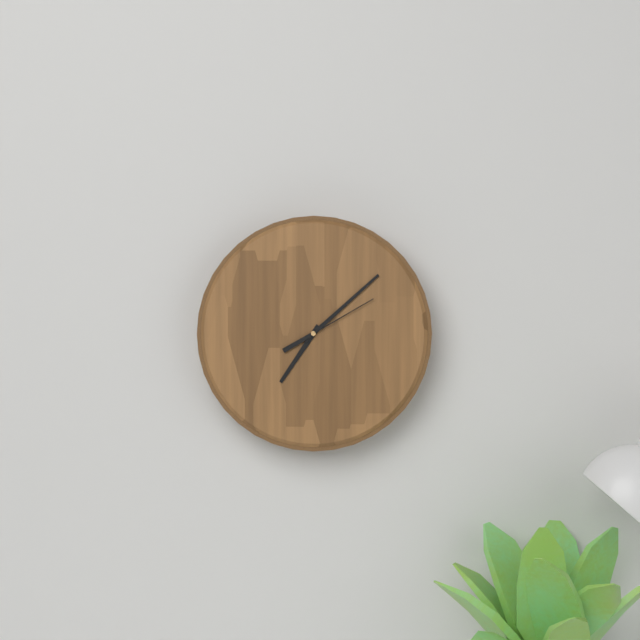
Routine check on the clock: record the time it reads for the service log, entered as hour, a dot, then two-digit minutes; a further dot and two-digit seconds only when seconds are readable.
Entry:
7.08.10
